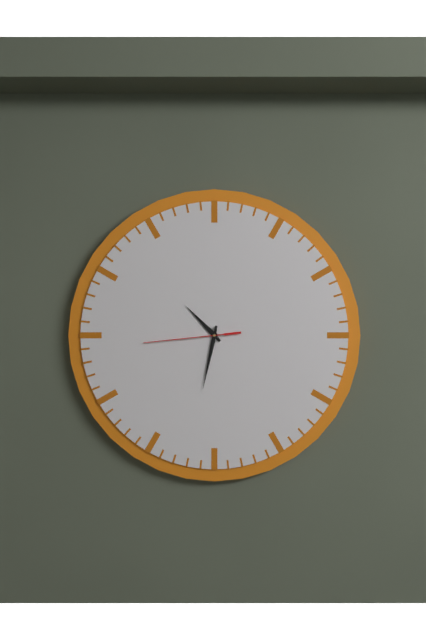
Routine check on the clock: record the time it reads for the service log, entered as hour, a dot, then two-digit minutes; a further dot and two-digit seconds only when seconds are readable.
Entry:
10.32.44
